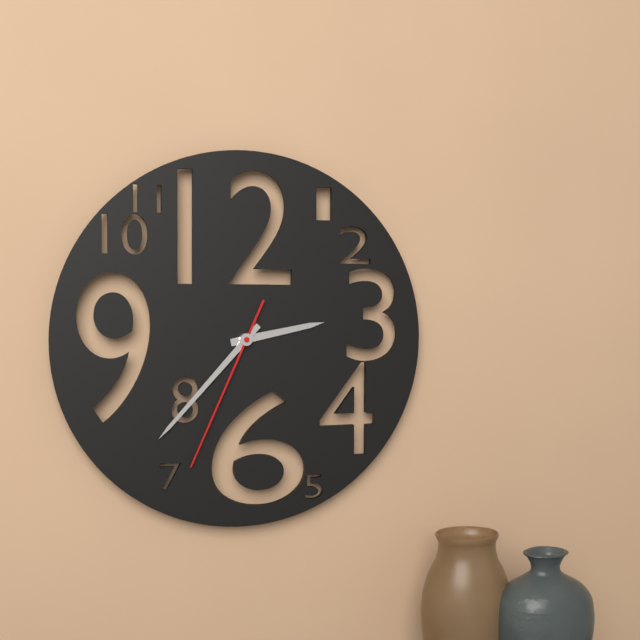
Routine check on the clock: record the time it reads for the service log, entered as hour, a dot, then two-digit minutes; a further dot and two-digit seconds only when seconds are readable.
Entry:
2.37.34
